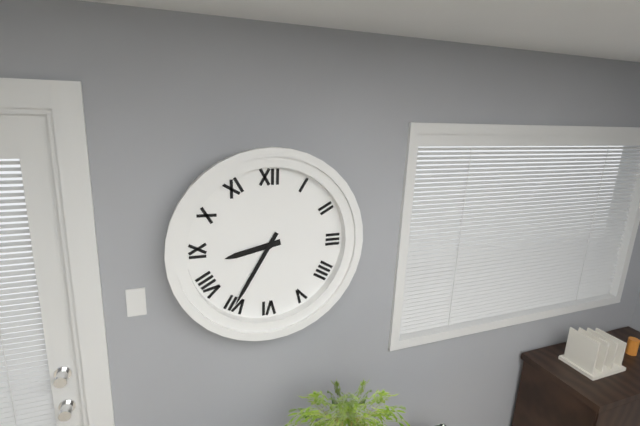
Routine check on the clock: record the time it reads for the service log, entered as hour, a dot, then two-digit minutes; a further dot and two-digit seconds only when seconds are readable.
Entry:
8.35
